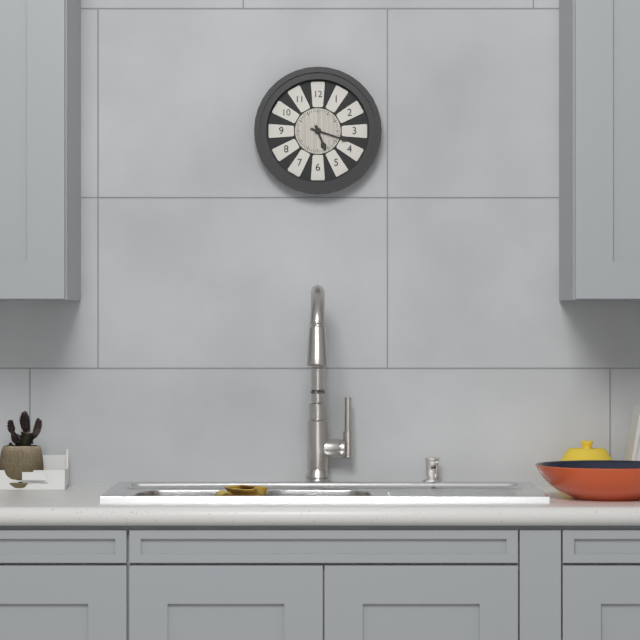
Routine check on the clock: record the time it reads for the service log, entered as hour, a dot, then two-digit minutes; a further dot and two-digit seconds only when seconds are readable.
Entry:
5.18
